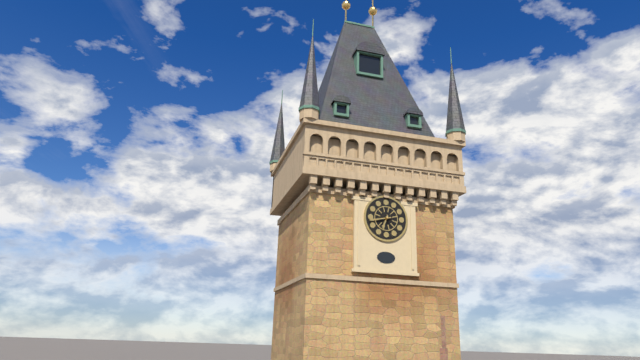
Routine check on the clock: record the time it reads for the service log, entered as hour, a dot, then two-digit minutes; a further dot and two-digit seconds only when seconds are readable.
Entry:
6.43
